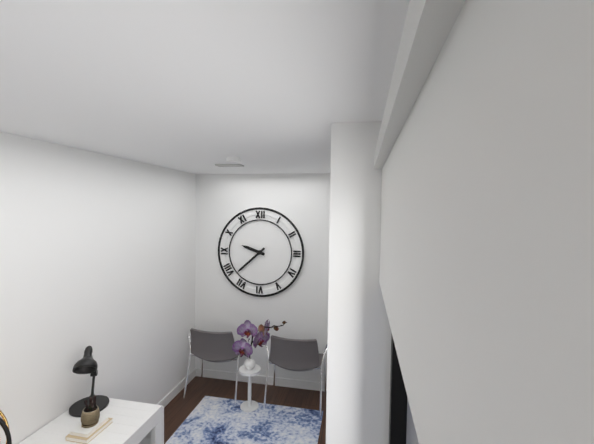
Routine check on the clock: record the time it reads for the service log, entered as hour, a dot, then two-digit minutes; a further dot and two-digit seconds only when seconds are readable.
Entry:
9.38
